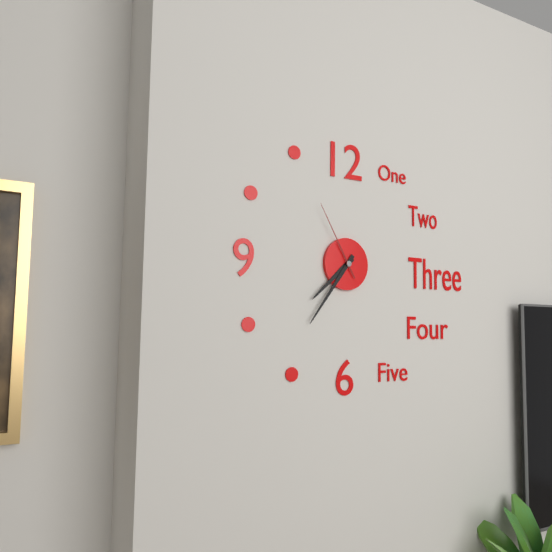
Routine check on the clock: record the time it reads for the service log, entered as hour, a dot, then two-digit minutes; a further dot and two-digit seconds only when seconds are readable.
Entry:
7.36.55
